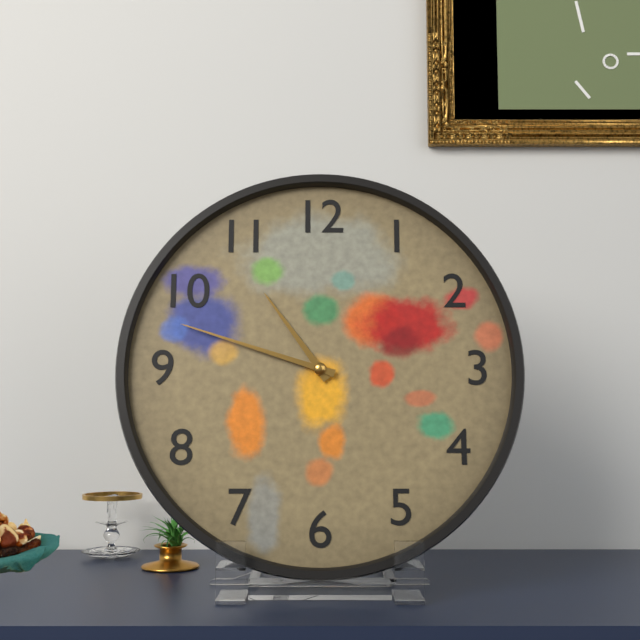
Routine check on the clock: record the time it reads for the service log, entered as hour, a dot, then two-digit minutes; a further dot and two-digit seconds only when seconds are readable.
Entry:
10.48
